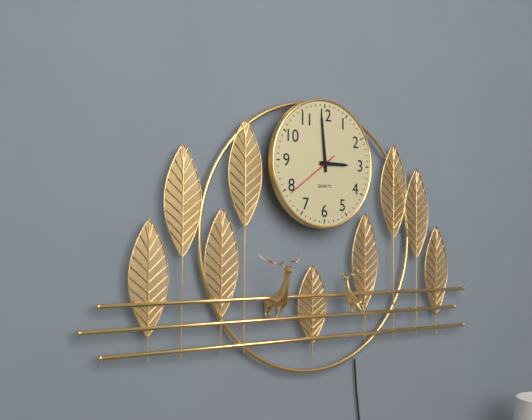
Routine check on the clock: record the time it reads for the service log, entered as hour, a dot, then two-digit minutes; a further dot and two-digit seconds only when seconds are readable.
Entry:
2.59.39
